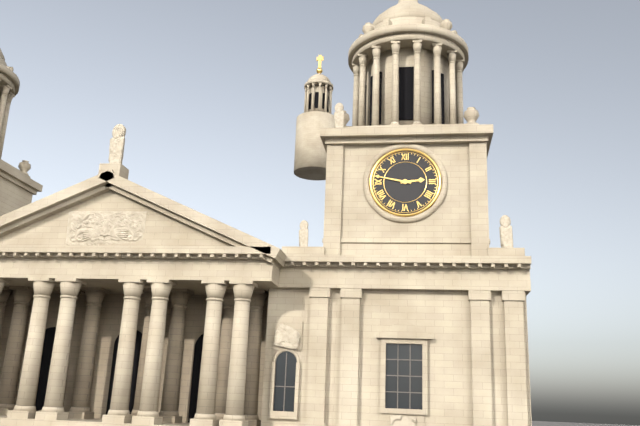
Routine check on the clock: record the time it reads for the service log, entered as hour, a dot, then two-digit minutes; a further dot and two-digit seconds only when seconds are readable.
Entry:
2.47
